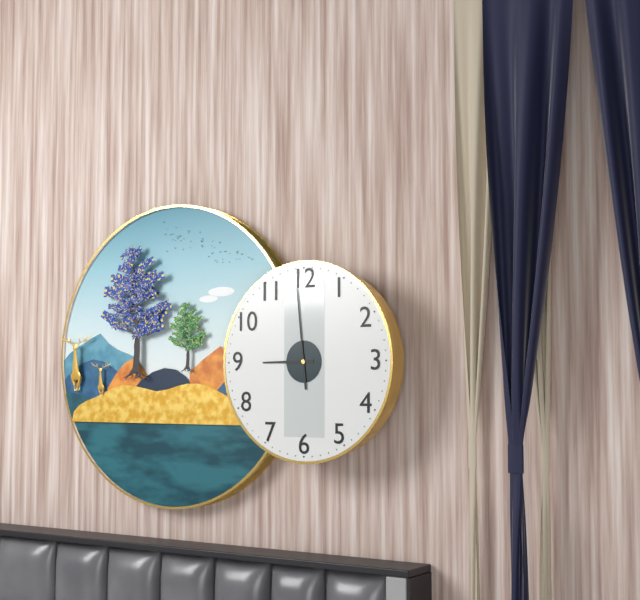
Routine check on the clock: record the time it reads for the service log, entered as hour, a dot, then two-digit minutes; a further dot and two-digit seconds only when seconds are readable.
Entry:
8.59
